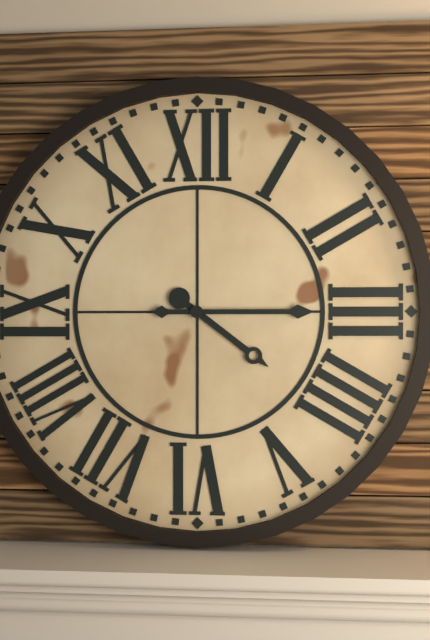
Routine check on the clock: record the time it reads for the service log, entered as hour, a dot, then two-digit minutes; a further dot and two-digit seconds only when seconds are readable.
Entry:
4.15
